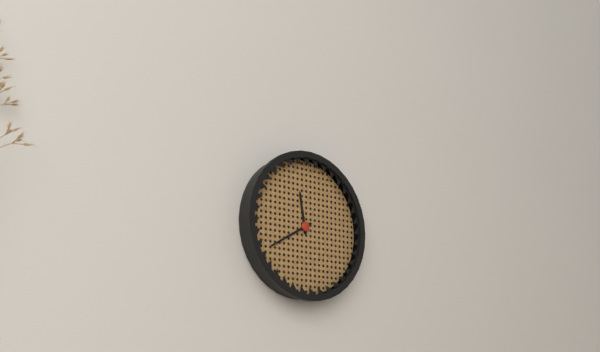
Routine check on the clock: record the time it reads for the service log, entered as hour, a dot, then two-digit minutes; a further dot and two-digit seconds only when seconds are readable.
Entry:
11.40
